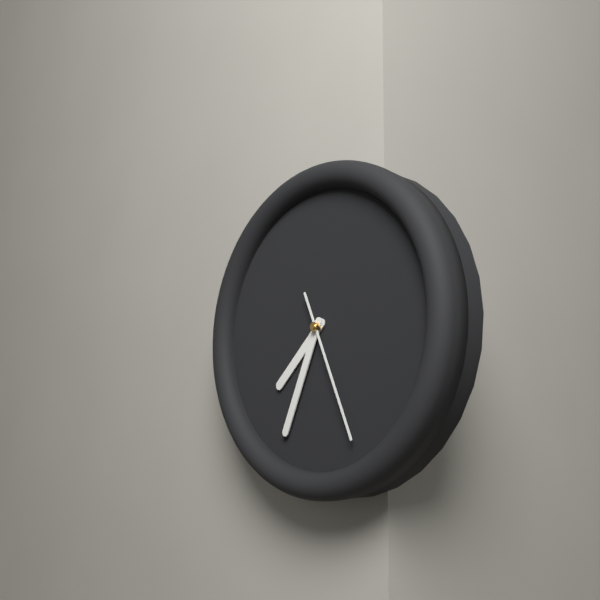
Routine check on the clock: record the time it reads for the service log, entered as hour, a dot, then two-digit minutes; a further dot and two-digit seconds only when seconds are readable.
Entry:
7.34.26
